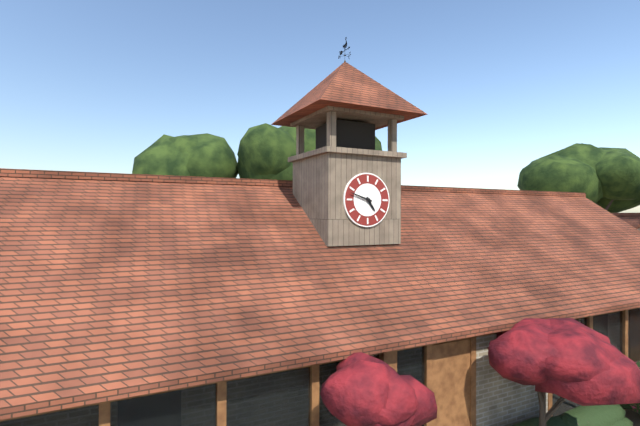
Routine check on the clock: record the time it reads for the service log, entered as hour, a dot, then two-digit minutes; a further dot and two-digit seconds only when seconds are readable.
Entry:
4.48
